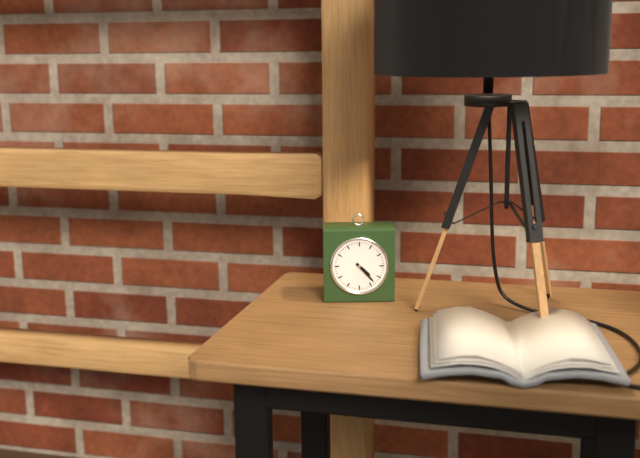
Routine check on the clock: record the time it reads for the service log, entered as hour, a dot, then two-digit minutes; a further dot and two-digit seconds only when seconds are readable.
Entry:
4.23
